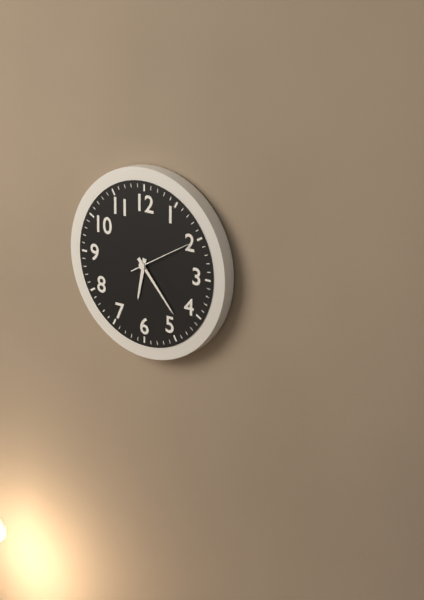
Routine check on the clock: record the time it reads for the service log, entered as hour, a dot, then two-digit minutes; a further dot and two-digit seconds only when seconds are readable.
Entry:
6.23.10
